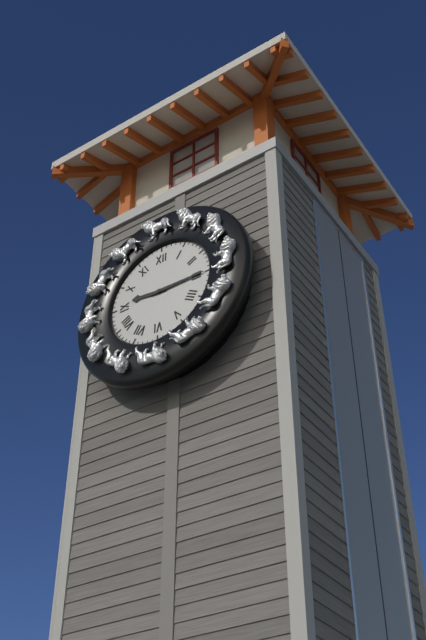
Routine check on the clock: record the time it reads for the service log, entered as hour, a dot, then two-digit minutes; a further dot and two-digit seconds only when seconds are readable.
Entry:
9.15
